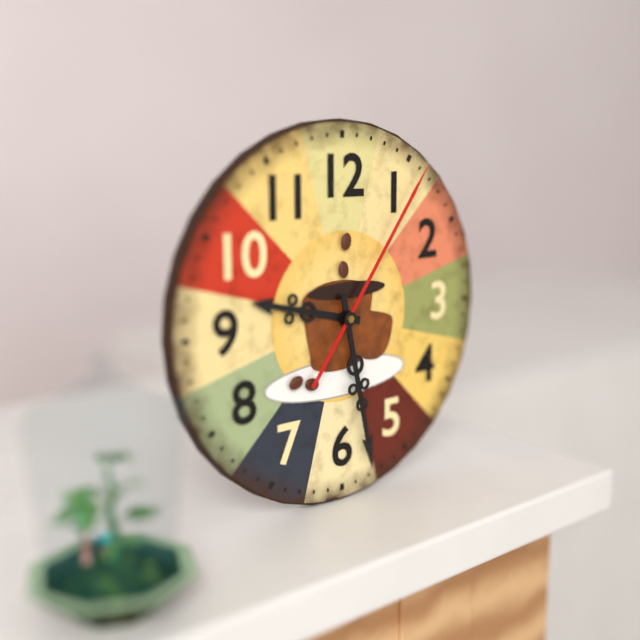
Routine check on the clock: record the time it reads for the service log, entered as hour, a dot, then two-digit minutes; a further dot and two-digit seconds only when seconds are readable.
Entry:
9.28.06
